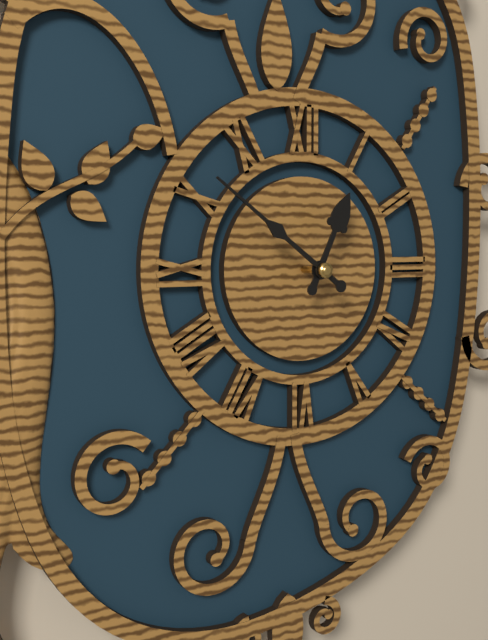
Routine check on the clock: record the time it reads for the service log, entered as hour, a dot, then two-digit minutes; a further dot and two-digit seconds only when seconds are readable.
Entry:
12.51
